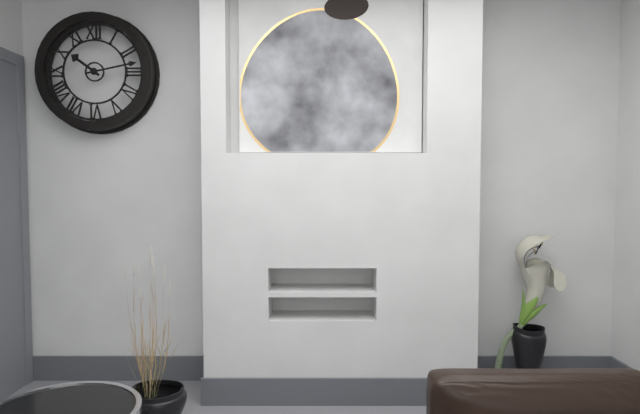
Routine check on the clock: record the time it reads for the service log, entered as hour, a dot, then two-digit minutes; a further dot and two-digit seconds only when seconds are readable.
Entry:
10.13
